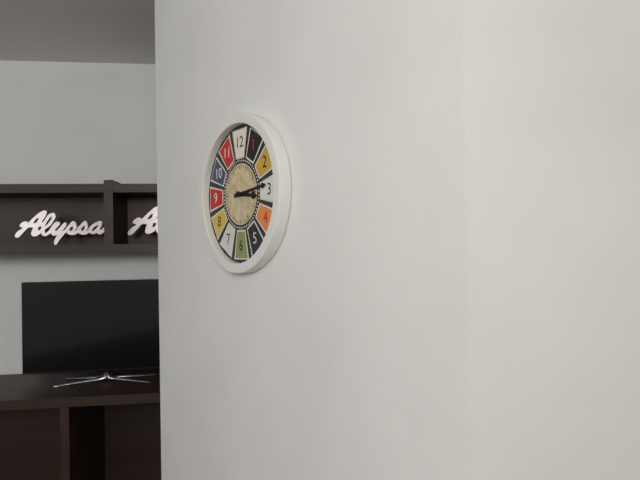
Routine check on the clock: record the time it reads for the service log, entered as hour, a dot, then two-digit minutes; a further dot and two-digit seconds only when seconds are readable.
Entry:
3.14
